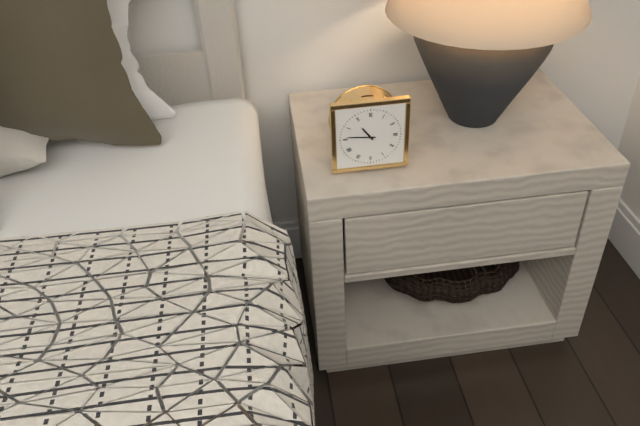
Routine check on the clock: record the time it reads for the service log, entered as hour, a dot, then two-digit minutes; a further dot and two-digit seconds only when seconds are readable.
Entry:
10.46
